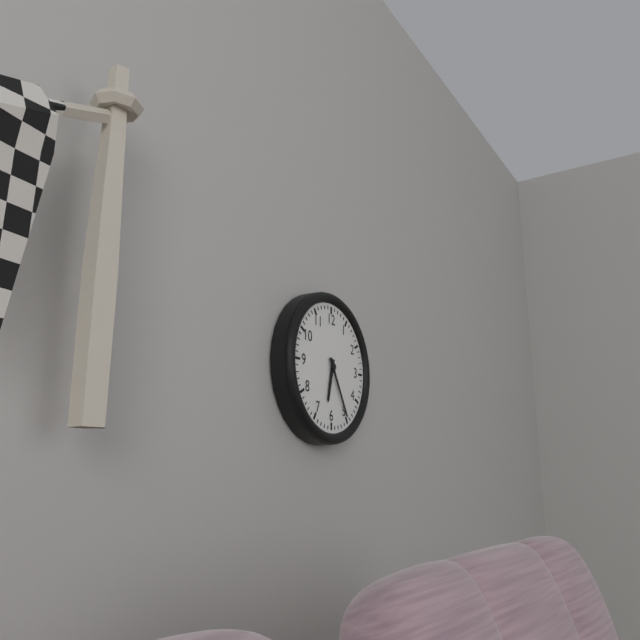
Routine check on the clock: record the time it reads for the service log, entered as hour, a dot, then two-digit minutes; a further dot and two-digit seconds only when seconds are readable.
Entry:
6.25
